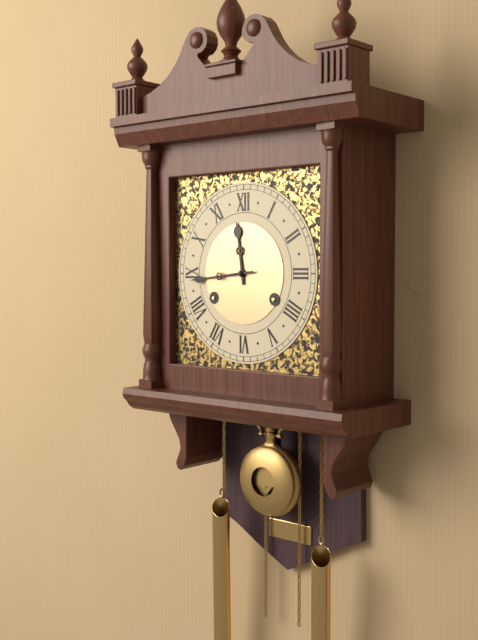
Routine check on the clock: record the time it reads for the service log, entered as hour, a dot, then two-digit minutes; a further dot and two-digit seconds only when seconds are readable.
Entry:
11.44
